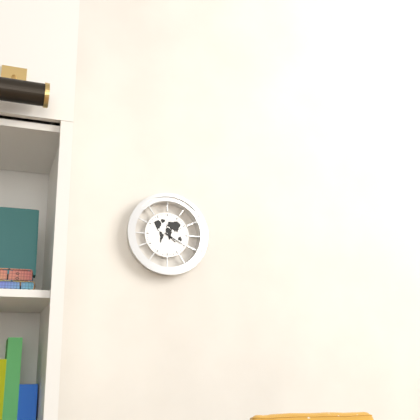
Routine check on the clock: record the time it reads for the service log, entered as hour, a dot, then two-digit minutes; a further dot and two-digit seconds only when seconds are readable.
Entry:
4.20
